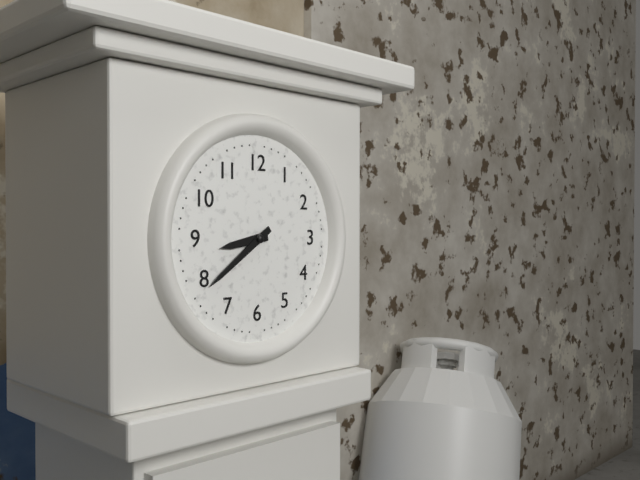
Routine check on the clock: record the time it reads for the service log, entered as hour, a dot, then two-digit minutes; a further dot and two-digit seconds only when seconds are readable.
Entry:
8.39
